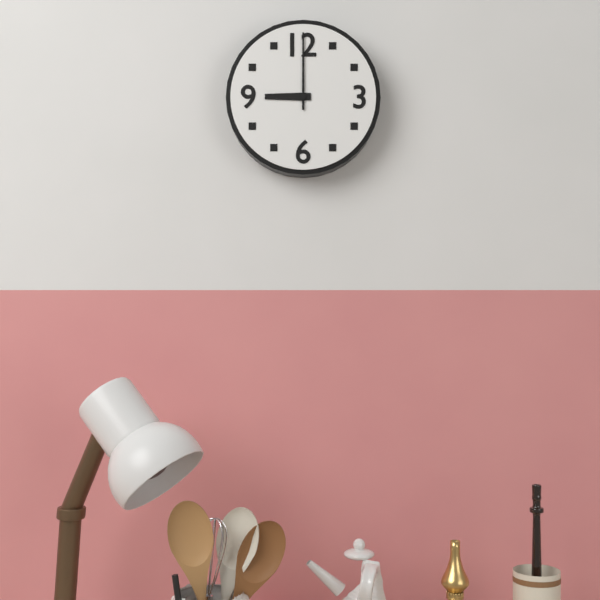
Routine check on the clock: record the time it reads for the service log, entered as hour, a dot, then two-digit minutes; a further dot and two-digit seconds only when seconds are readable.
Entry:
9.00
